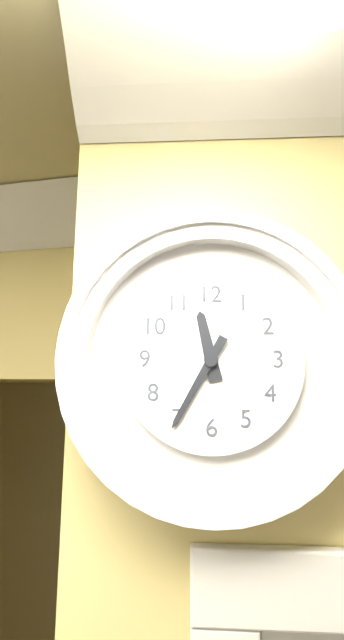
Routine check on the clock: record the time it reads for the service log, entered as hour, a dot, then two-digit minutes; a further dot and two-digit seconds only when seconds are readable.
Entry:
11.35
